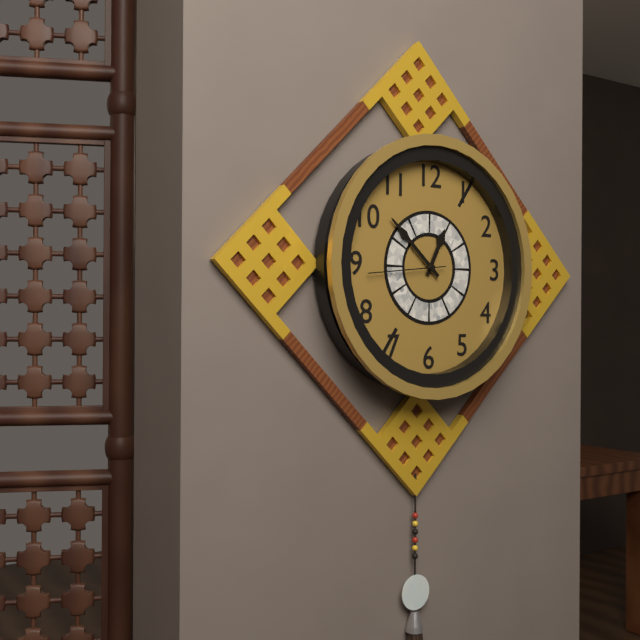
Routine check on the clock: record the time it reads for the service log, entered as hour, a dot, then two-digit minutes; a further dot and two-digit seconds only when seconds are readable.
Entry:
12.52.44
